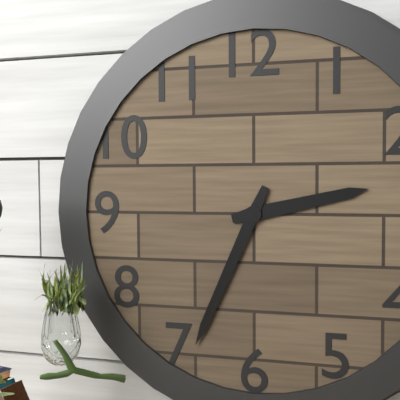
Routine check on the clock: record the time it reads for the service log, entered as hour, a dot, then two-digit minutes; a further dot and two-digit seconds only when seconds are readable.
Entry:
2.34
